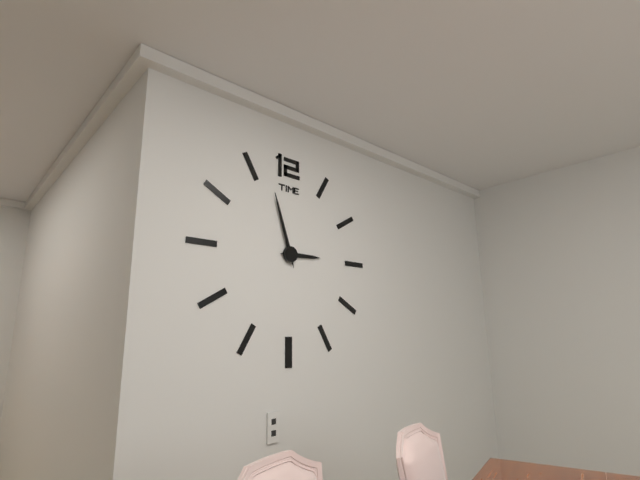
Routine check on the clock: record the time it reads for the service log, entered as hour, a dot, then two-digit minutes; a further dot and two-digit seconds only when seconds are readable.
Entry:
2.57
